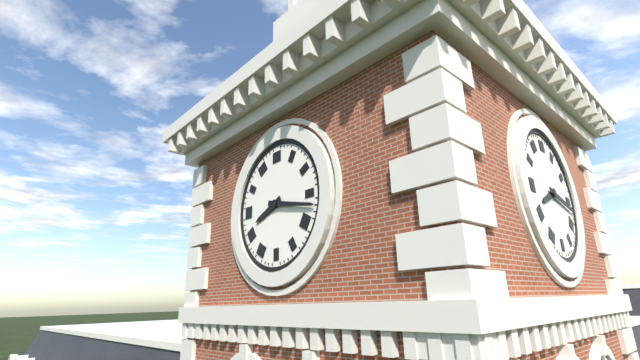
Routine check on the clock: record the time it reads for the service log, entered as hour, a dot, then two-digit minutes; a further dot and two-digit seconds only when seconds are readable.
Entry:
8.17
